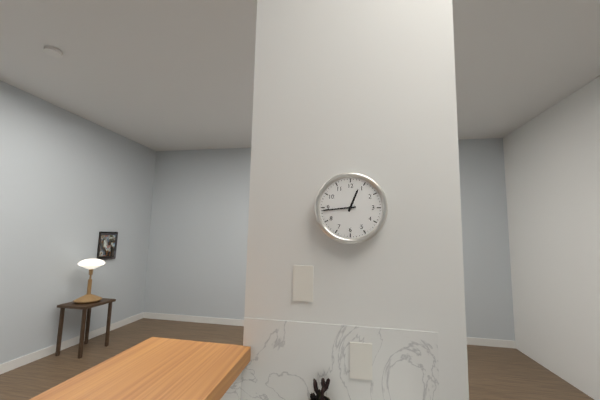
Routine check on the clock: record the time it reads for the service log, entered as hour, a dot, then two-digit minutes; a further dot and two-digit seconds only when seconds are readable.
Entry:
12.44
